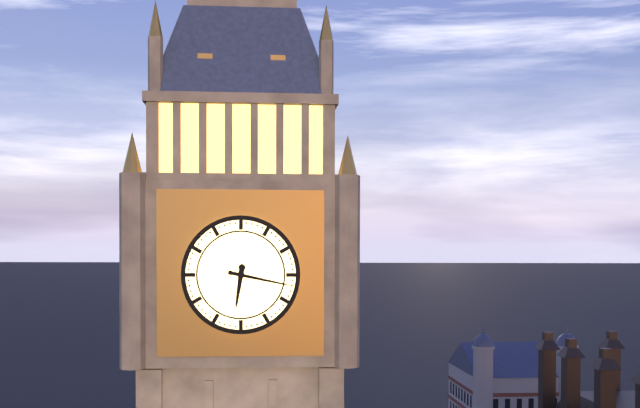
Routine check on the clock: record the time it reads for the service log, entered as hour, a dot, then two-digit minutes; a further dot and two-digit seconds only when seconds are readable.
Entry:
6.17
